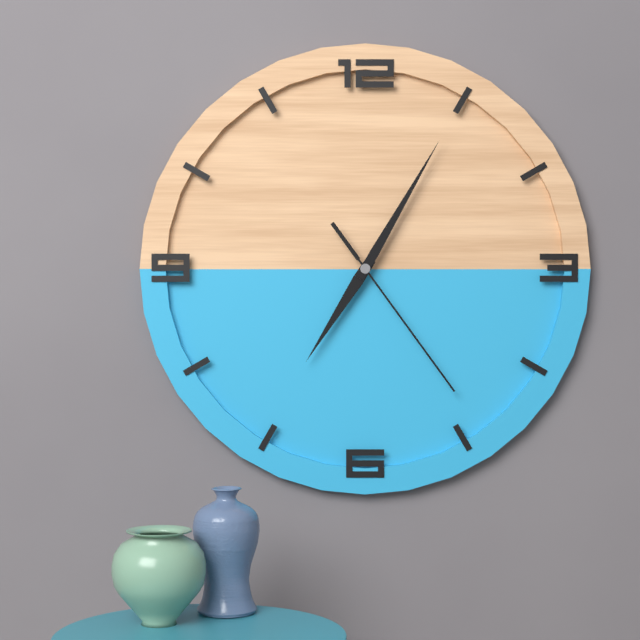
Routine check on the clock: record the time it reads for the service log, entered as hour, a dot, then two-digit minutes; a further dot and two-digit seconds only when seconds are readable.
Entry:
7.05.24
